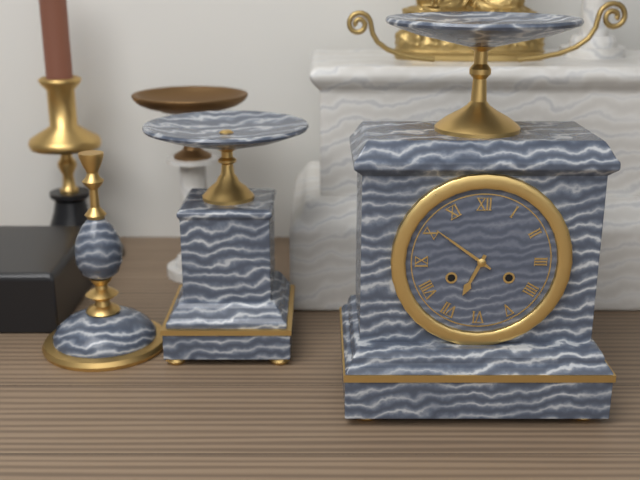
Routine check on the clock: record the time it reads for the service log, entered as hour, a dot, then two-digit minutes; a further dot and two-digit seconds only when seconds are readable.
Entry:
6.51
